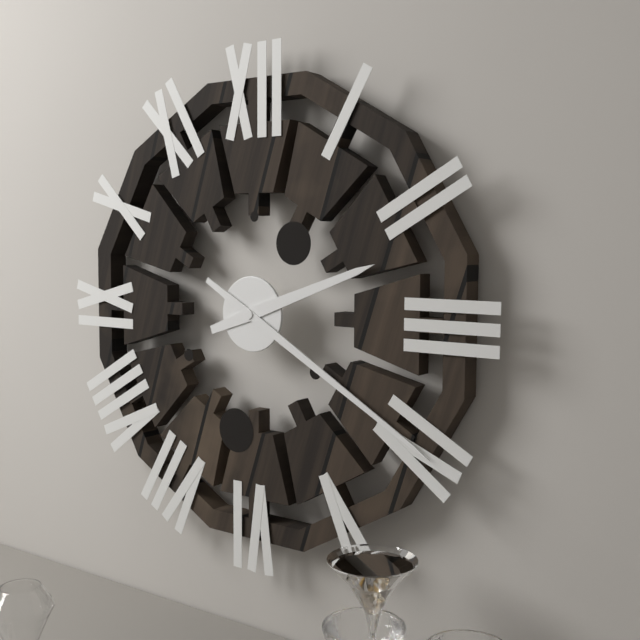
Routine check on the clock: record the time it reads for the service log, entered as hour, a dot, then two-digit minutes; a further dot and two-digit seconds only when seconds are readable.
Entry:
2.20
